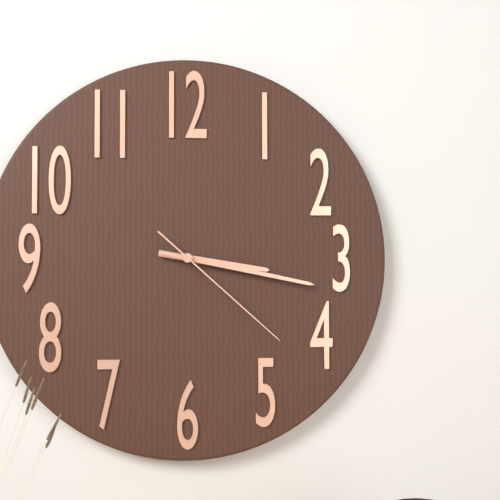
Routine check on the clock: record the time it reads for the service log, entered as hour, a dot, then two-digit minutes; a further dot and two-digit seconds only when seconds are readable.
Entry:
3.17.22
